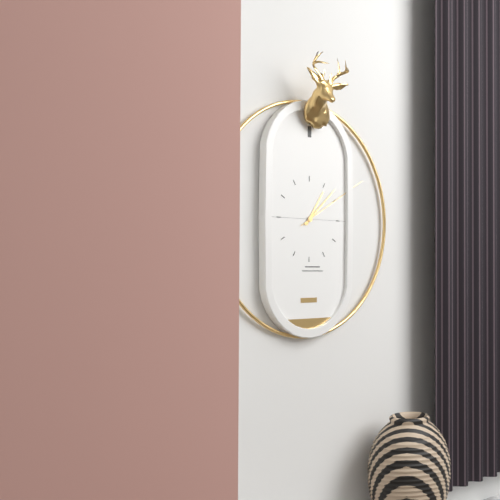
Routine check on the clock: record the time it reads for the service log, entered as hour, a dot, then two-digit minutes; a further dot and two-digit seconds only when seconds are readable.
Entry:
1.08.10
